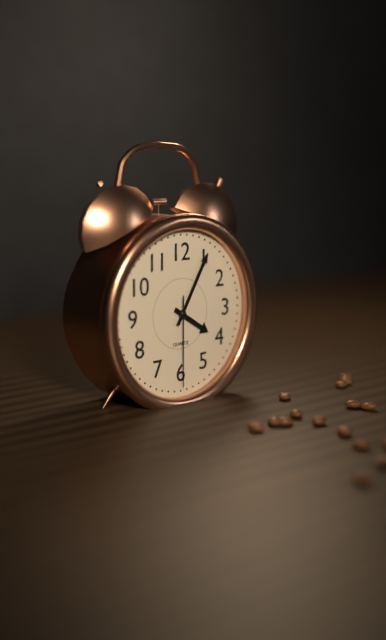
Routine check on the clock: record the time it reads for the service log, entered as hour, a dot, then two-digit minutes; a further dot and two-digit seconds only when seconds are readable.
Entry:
4.05.30
